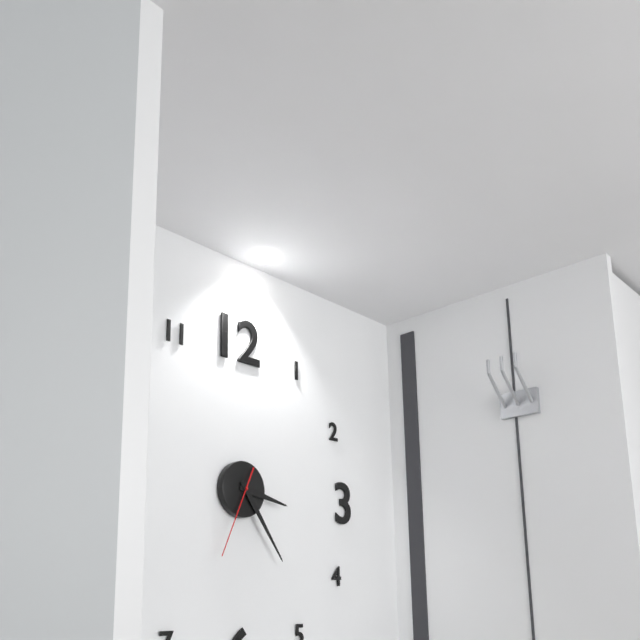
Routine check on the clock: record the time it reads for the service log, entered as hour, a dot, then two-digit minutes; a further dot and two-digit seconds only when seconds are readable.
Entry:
3.24.34
